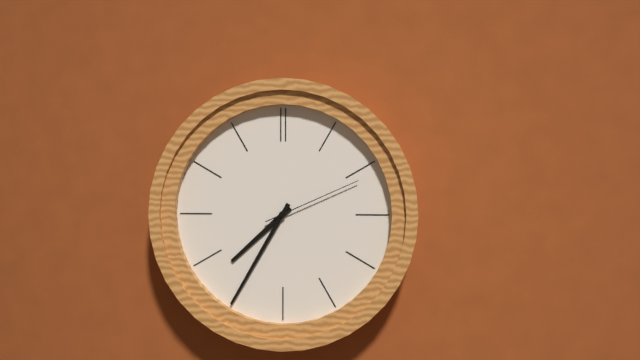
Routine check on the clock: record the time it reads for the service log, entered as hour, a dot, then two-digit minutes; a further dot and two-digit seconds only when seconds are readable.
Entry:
7.35.11
